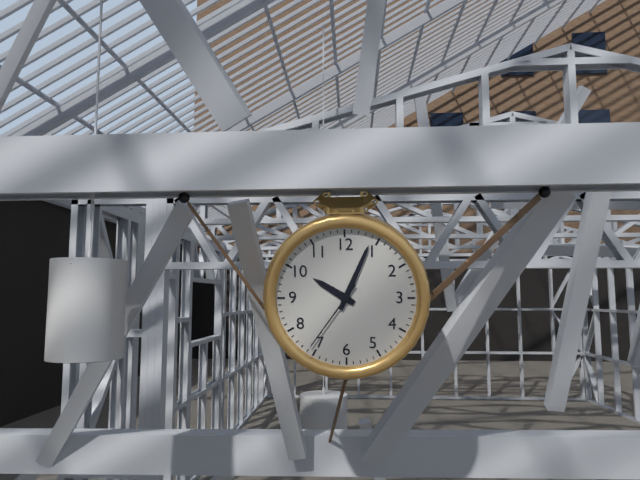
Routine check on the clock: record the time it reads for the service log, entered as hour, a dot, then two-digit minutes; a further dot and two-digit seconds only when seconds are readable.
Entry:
10.04.36
